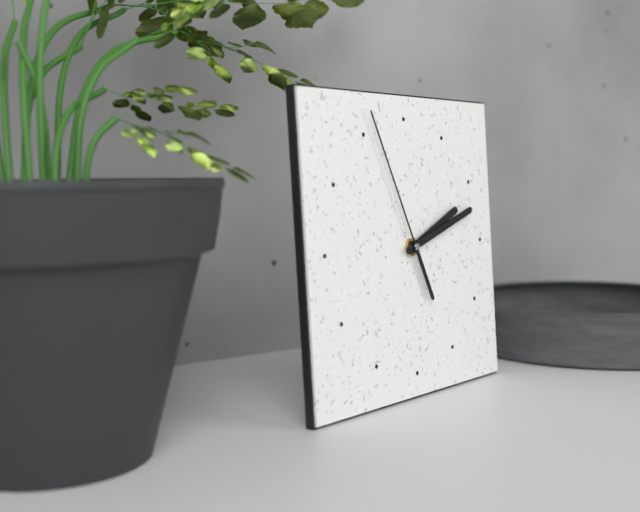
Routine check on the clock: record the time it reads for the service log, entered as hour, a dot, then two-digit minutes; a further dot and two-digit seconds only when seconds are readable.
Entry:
2.12.56
